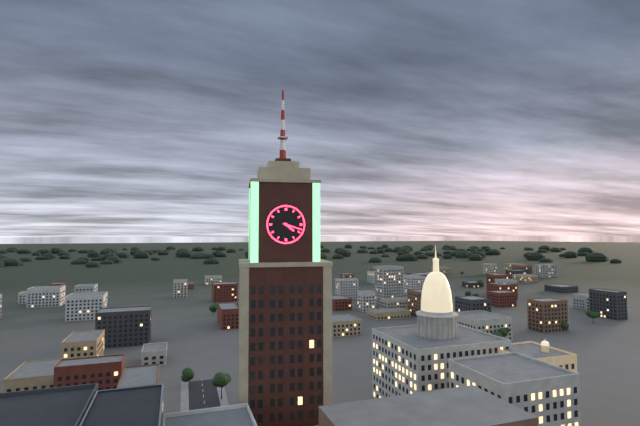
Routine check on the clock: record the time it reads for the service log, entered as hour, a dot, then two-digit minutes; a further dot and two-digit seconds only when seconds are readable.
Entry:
4.18
